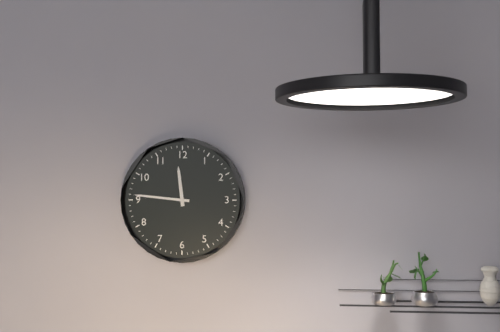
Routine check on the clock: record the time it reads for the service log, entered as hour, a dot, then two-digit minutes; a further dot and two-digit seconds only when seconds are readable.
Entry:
11.46
